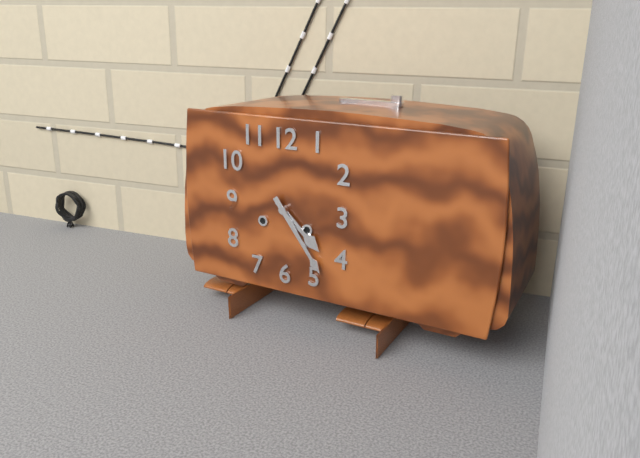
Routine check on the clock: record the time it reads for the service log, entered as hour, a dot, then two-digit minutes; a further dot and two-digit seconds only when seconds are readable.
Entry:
4.24
